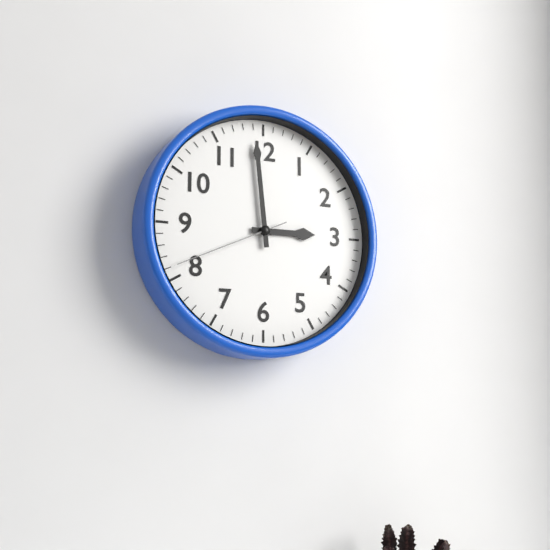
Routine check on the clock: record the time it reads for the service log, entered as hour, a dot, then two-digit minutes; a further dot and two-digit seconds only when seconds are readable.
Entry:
2.59.41
